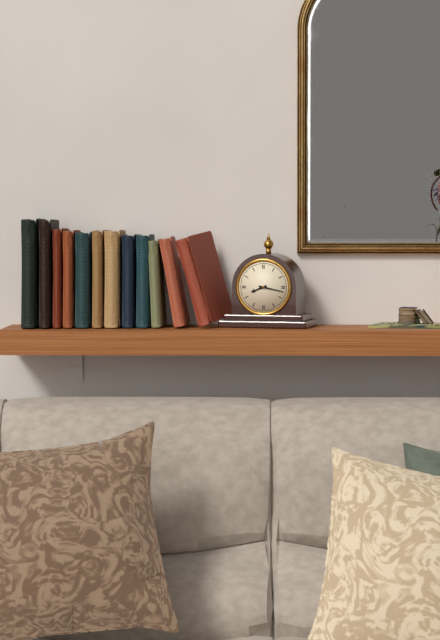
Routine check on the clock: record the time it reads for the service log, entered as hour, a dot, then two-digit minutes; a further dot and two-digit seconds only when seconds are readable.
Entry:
8.17
